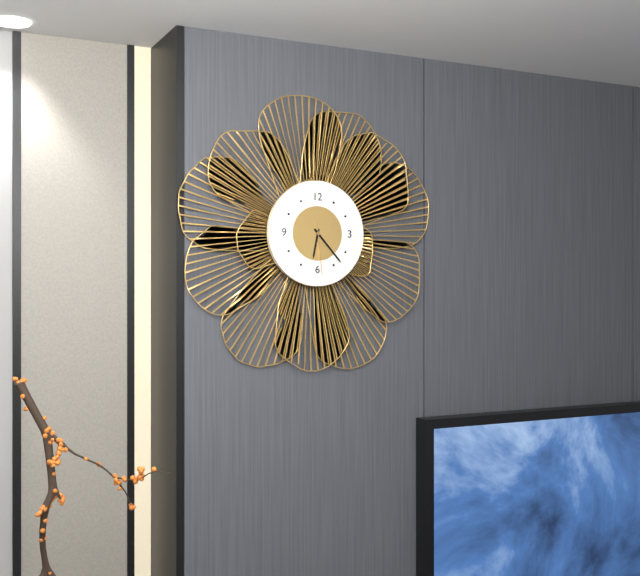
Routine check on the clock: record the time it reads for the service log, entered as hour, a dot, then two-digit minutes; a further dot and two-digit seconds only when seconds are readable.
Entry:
6.23.29
